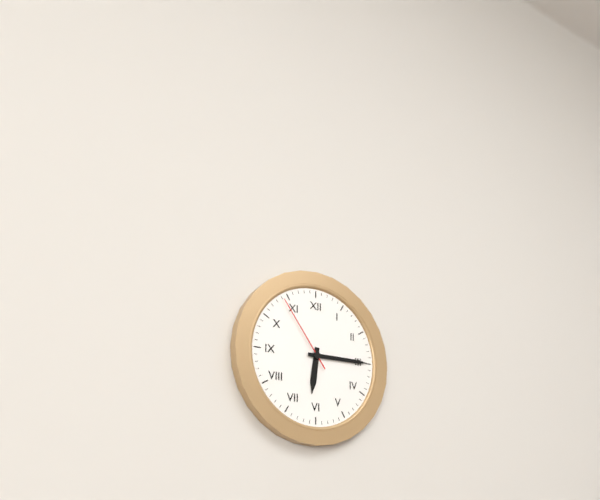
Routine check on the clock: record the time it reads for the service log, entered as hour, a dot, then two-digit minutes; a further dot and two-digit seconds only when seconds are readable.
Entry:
6.15.54
